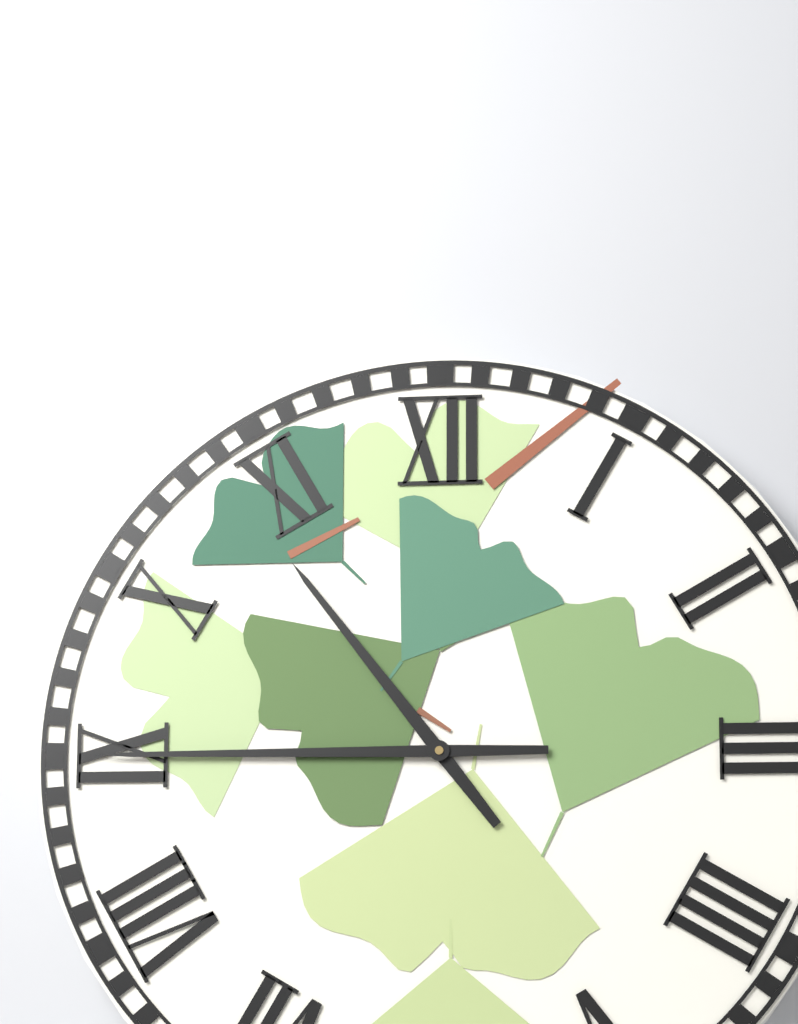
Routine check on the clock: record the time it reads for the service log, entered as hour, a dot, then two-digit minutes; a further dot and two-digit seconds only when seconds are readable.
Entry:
10.45
